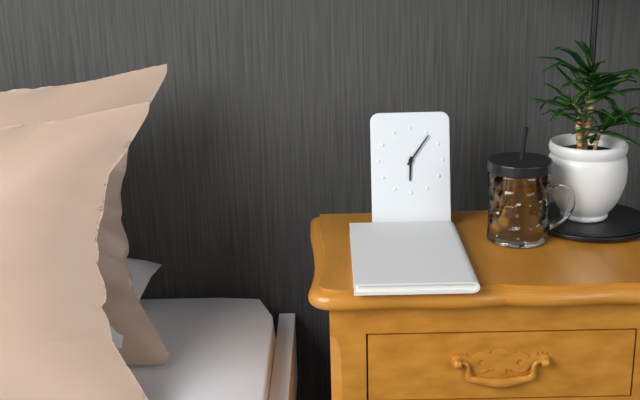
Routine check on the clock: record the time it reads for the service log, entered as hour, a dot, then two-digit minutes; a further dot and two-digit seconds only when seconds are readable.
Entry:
6.06
